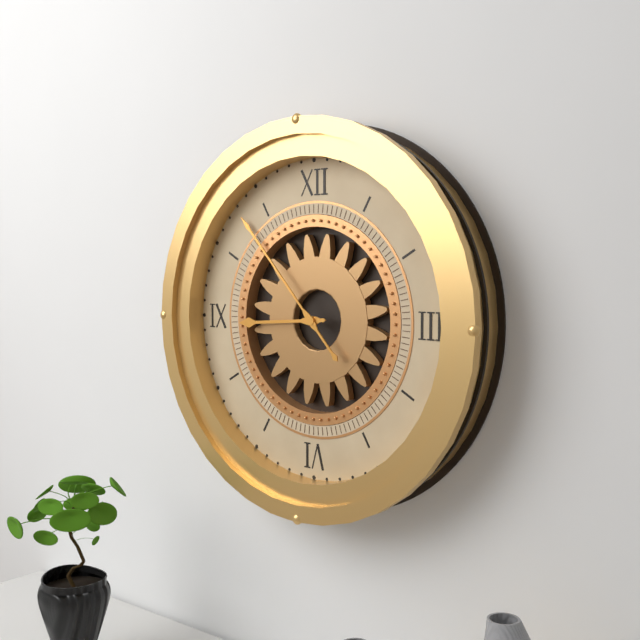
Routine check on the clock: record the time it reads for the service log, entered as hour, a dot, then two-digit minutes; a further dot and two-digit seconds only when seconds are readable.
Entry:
8.53
